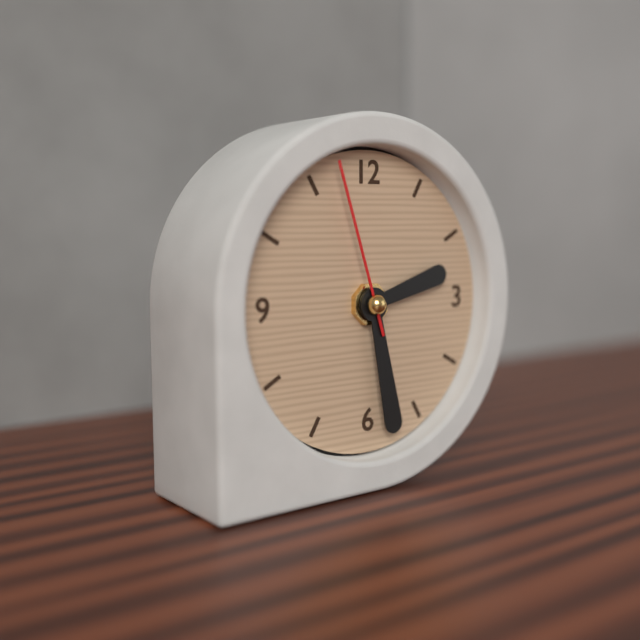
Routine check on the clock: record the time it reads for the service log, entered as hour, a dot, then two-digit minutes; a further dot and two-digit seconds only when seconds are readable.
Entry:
2.28.57
